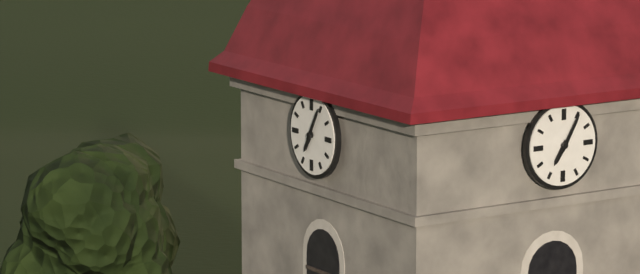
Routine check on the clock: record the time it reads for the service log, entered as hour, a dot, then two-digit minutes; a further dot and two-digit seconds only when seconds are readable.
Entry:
7.05
